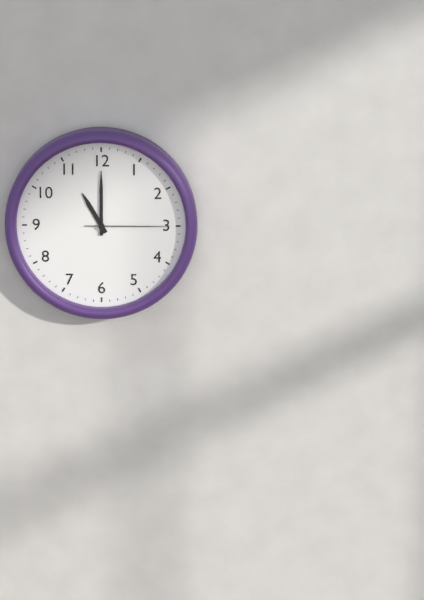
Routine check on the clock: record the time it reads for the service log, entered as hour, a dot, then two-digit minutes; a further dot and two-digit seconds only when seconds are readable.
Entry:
11.00.15
